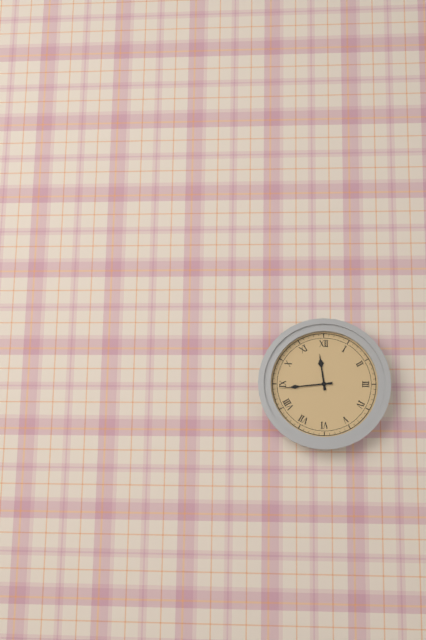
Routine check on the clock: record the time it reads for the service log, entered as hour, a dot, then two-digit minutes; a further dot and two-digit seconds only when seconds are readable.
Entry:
11.44
